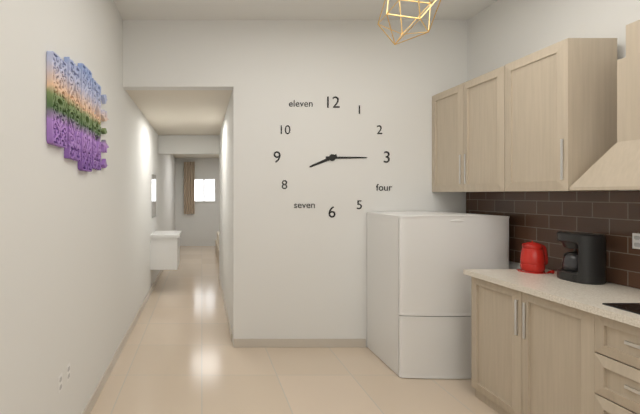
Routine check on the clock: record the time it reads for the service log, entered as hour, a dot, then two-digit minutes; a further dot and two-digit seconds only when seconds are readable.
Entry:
8.15
